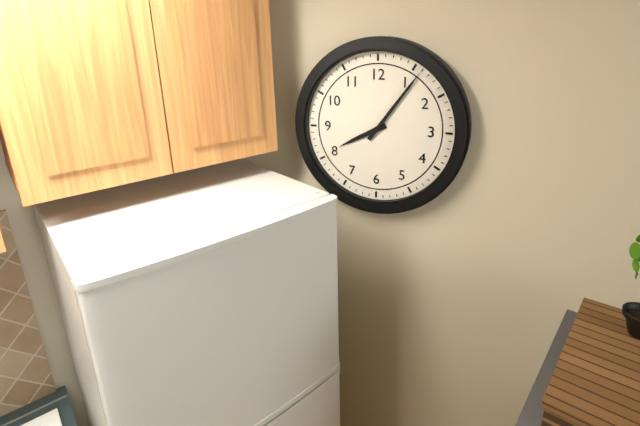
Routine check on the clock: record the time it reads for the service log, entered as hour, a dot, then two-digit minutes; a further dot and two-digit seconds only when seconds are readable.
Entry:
8.06
